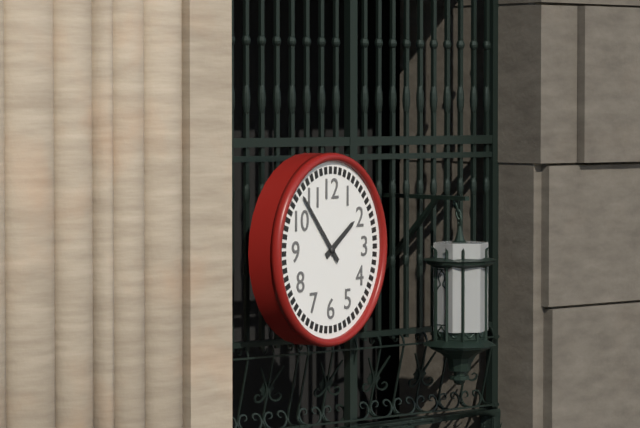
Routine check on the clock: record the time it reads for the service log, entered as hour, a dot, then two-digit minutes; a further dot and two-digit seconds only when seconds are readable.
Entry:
1.53
